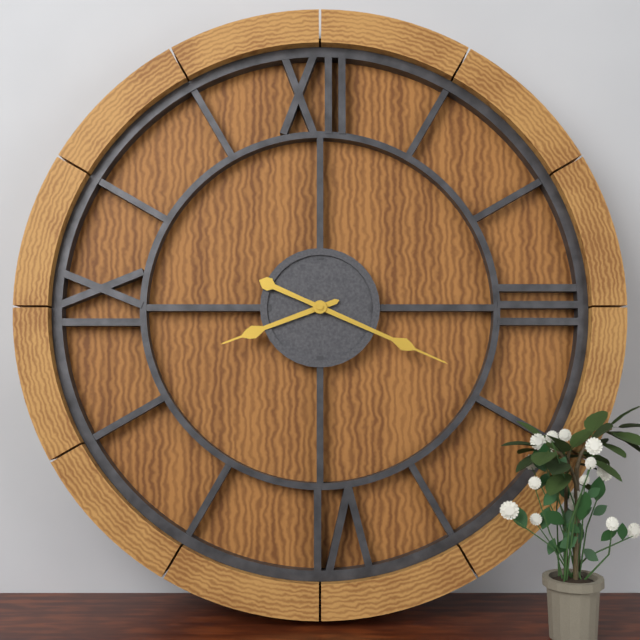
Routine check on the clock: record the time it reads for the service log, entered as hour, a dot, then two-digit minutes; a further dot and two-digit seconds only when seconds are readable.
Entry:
8.19
